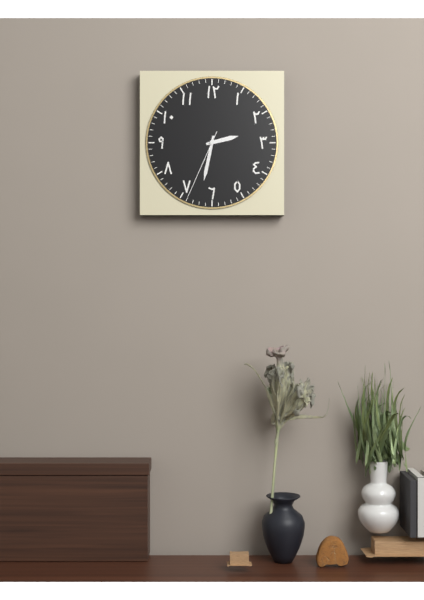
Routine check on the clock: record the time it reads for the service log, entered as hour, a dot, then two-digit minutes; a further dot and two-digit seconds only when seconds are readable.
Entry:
2.32.34
